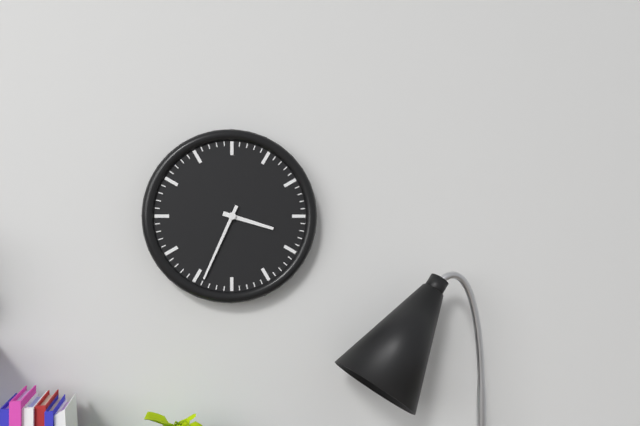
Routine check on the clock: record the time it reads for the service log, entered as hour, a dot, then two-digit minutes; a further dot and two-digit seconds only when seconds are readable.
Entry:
3.34
